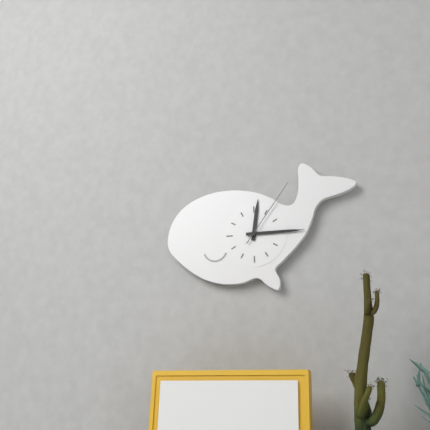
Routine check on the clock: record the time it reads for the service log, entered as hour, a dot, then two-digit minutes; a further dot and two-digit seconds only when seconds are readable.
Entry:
12.15.06
